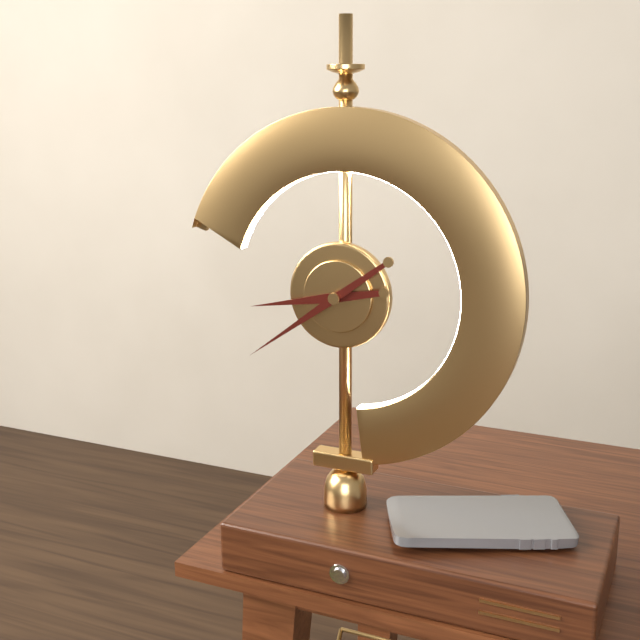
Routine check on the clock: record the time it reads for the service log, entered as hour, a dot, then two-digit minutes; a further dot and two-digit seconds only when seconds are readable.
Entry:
8.39
